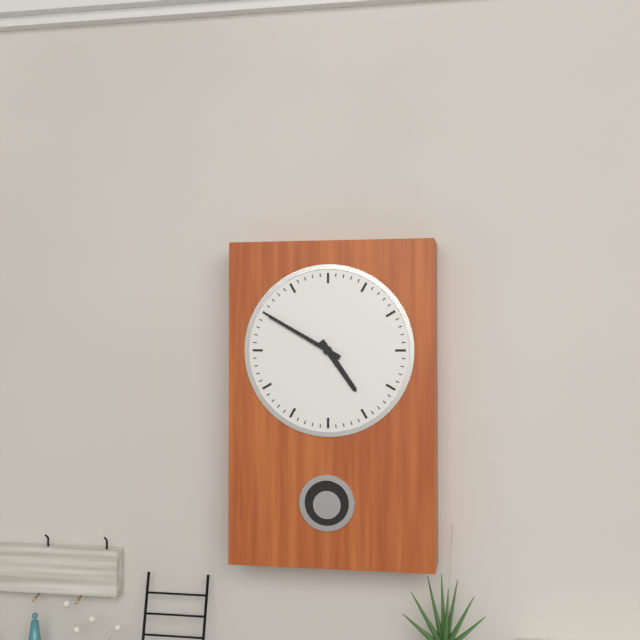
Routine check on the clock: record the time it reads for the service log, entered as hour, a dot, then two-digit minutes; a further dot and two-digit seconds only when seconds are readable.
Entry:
4.50
